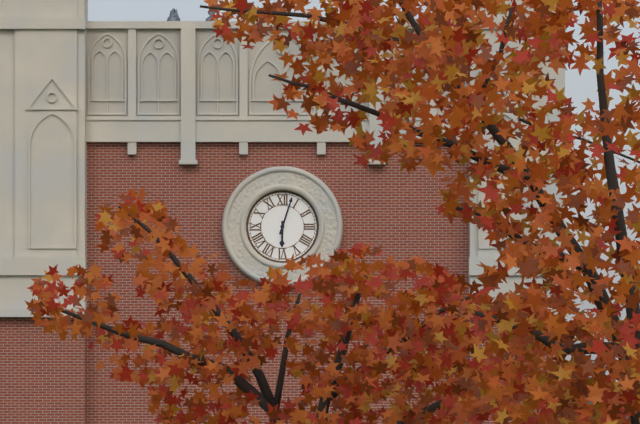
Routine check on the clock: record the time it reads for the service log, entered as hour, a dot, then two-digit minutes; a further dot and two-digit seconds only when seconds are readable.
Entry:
6.03
